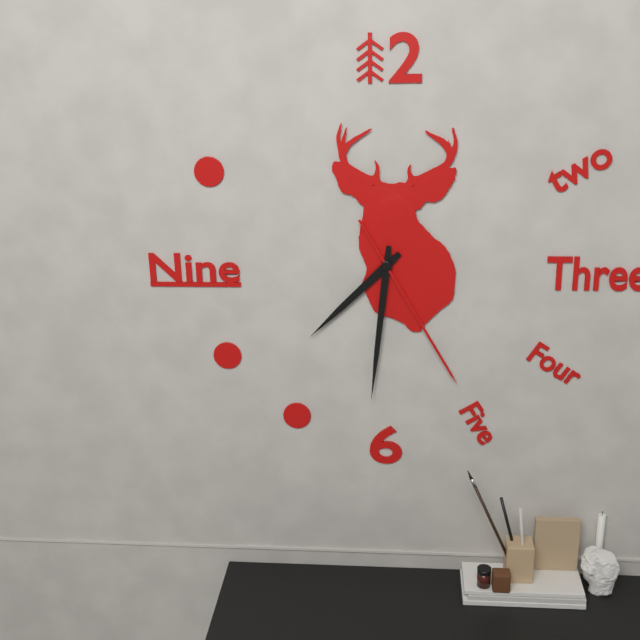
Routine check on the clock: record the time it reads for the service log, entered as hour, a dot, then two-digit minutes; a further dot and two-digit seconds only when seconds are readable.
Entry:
7.31.25
